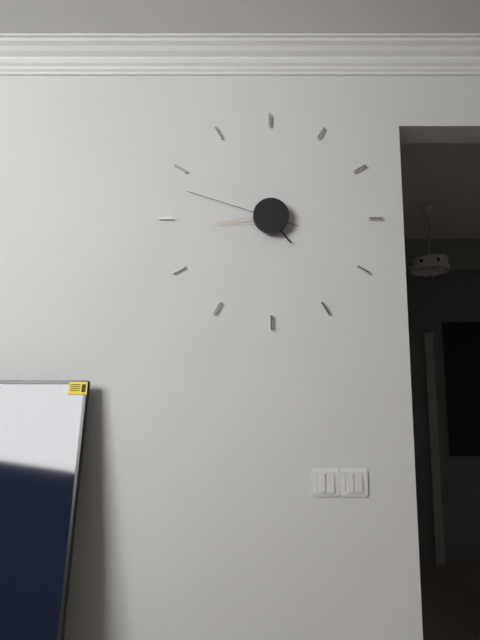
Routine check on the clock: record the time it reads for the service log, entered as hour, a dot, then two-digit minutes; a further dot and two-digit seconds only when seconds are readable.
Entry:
4.44.48
